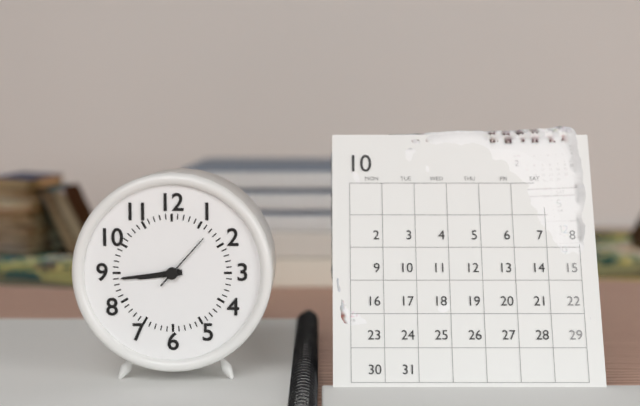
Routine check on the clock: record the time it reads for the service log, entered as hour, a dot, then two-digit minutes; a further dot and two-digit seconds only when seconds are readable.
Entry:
8.44.07
